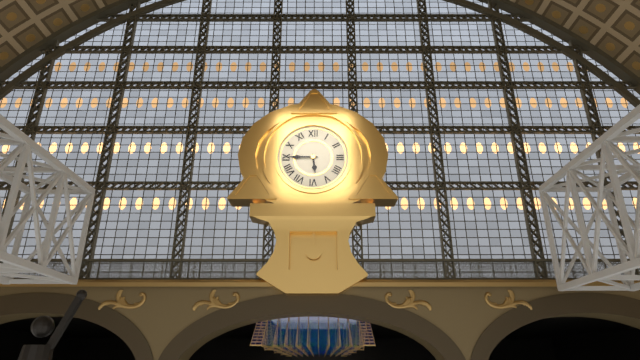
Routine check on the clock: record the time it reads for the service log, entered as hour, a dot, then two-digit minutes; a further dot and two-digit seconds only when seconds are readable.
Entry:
5.45
